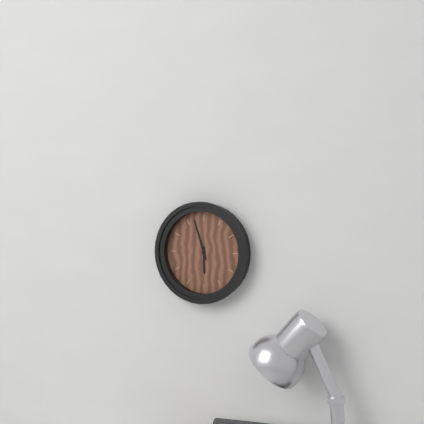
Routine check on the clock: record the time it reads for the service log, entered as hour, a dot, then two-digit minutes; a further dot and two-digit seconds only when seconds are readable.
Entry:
5.57
